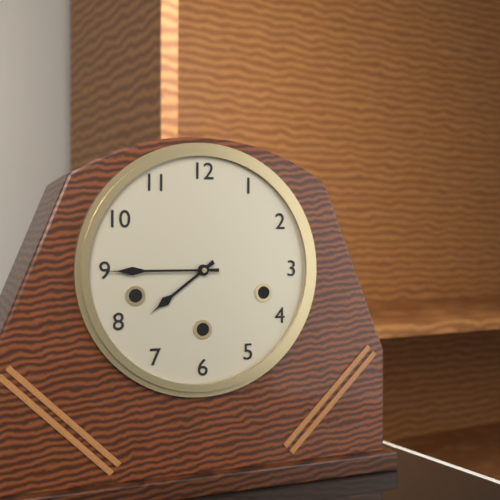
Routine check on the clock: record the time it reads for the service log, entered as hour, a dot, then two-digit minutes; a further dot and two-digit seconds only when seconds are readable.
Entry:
7.45
